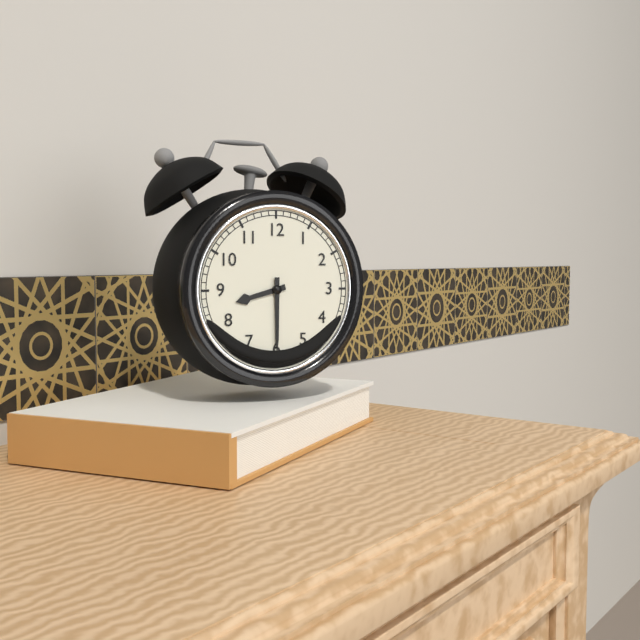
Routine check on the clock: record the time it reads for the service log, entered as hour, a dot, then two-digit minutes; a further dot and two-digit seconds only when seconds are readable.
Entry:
8.30
